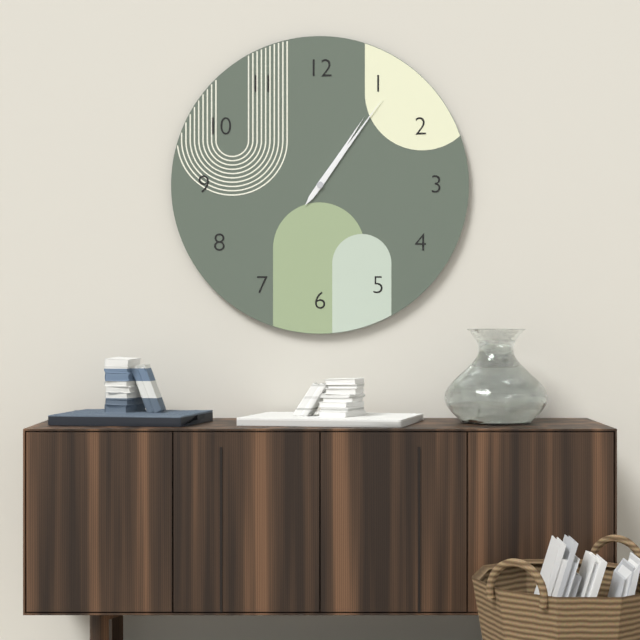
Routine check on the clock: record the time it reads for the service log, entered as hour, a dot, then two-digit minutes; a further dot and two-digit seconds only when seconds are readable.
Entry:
1.06
